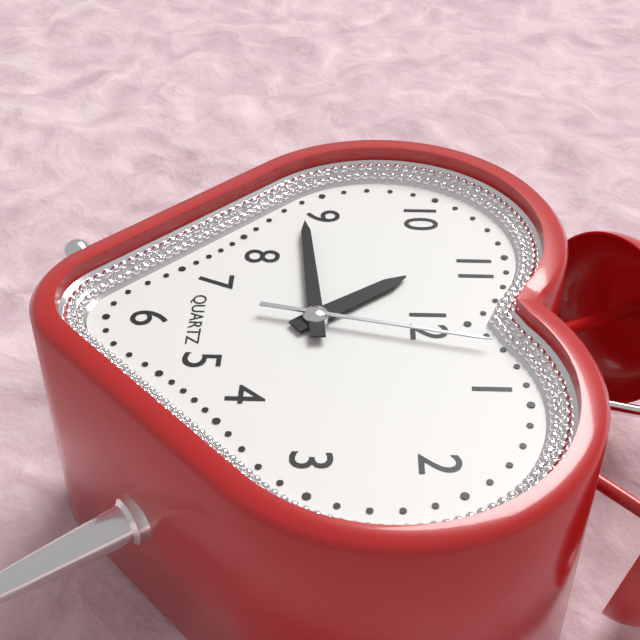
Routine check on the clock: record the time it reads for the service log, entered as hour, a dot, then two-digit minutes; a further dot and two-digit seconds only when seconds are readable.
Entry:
10.44.02
